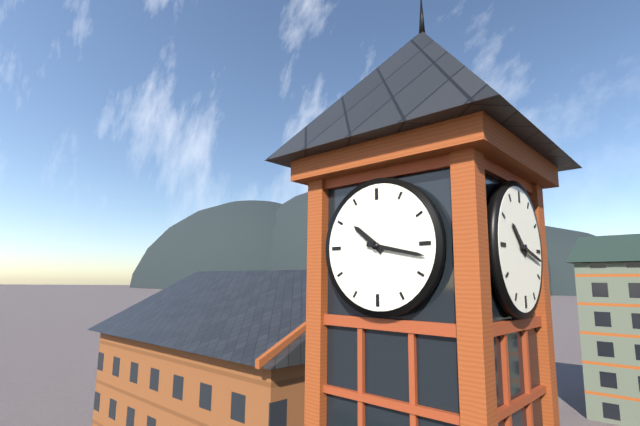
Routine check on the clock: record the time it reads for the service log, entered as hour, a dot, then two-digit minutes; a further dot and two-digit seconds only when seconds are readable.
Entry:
10.17
